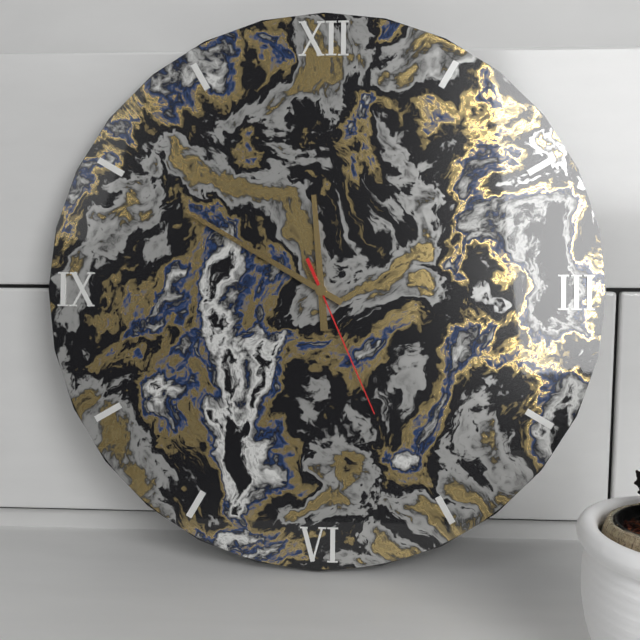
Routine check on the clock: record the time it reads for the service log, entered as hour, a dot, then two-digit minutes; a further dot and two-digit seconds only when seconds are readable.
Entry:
11.50.26
